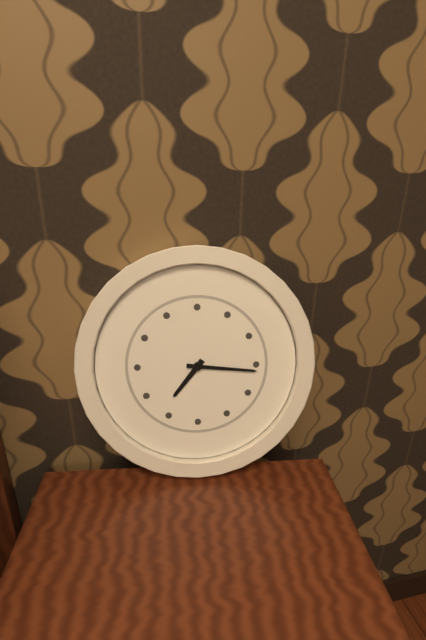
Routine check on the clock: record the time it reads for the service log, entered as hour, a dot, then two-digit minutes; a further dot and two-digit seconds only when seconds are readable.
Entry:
7.16
